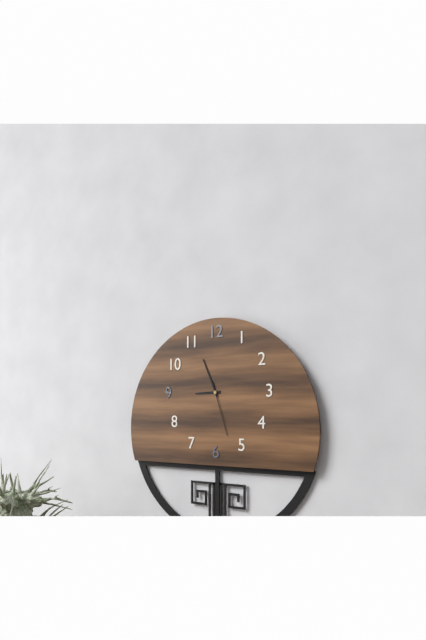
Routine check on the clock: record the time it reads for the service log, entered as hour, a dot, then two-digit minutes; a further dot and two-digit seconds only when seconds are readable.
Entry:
8.56.27
